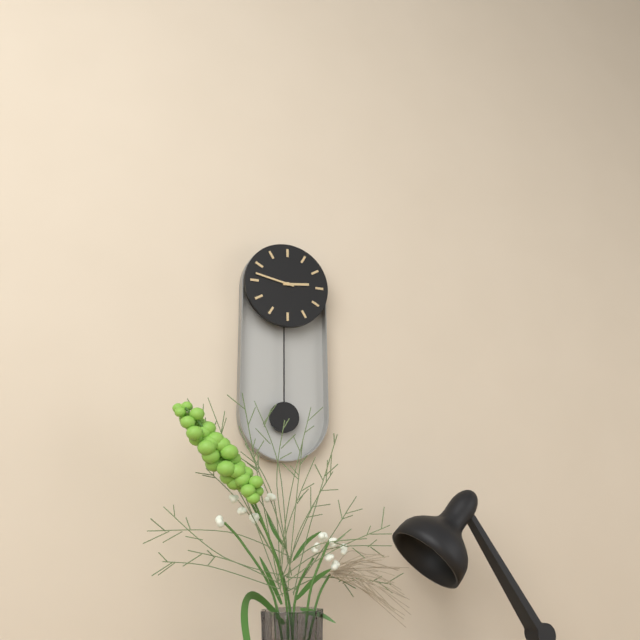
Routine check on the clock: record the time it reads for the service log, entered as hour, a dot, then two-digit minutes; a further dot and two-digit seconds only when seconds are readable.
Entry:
2.47
